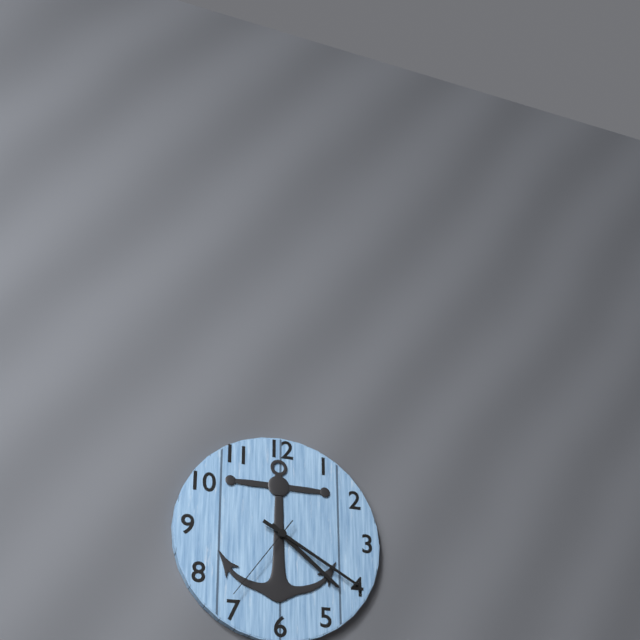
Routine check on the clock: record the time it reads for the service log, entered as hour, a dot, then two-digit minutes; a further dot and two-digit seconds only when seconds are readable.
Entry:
4.20.36
